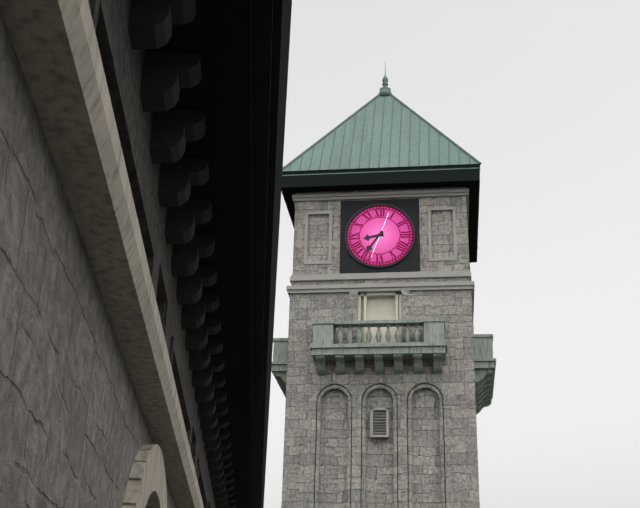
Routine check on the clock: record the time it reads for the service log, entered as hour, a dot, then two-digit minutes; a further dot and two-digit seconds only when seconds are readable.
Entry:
8.36
